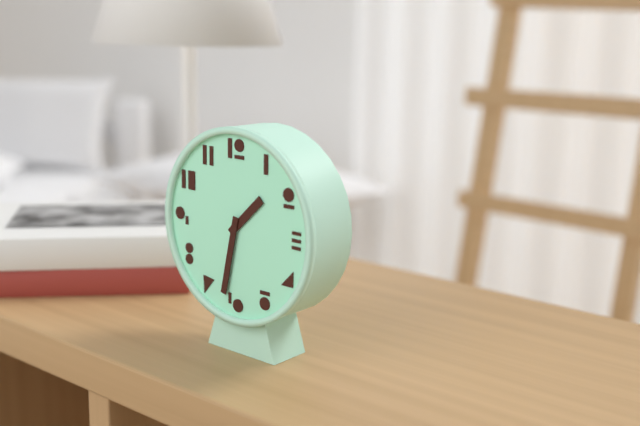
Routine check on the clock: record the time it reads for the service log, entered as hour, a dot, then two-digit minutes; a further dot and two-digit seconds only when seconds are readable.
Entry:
1.32
